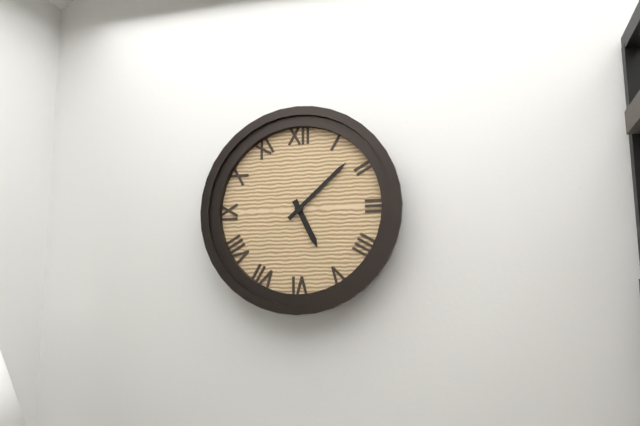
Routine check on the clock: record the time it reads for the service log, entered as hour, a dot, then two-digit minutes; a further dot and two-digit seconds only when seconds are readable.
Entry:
5.08
